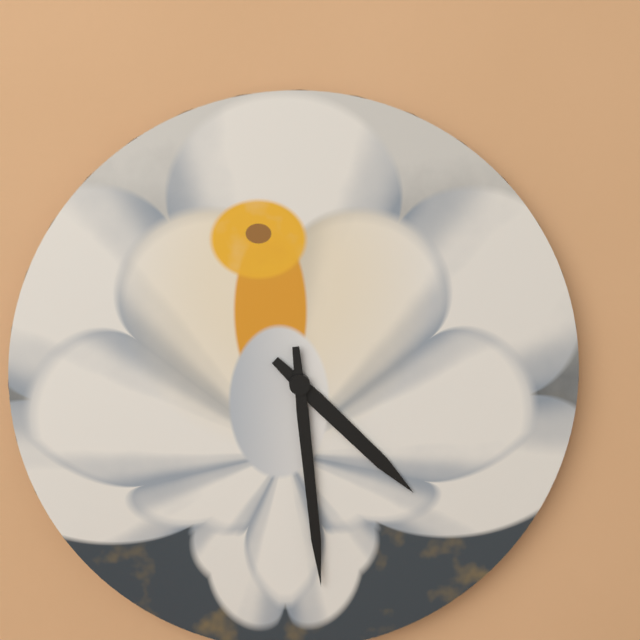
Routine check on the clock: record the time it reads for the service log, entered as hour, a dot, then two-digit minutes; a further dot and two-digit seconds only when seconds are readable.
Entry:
4.29
